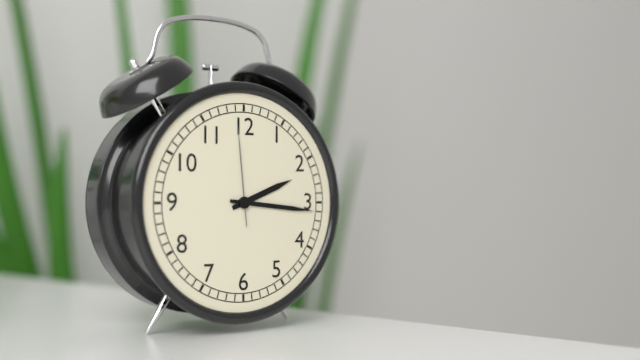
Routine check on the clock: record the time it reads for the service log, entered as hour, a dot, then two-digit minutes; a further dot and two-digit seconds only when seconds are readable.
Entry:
2.16.59
